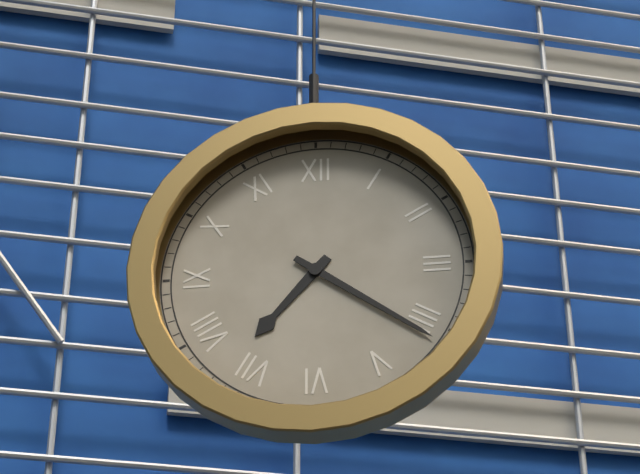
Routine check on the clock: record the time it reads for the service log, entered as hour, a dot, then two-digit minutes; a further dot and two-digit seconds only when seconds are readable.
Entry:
7.21
